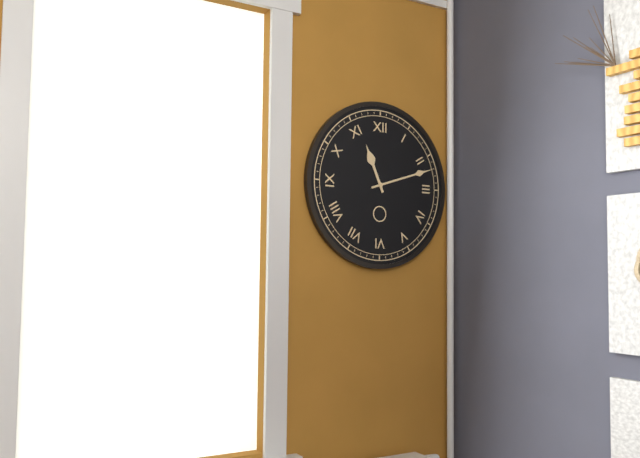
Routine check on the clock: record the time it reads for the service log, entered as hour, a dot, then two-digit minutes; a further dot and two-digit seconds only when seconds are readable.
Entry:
11.12
